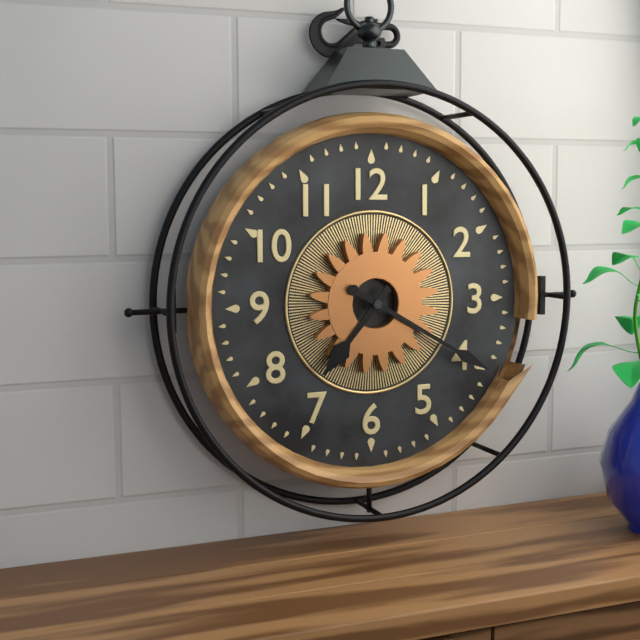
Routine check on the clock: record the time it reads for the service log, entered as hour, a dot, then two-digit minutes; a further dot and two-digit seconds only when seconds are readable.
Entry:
7.20
